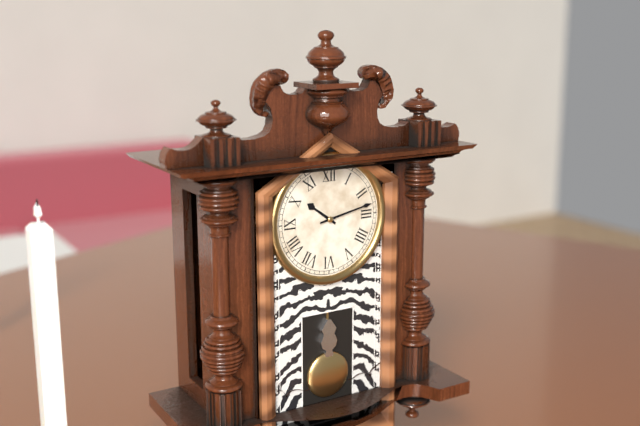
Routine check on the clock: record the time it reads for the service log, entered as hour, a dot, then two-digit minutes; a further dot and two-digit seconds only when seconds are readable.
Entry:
10.13
